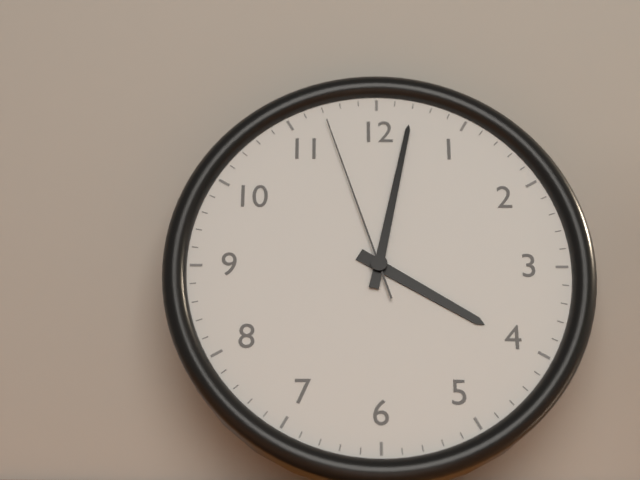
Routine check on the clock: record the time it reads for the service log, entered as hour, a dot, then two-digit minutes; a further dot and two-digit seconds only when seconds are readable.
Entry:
4.02.57
